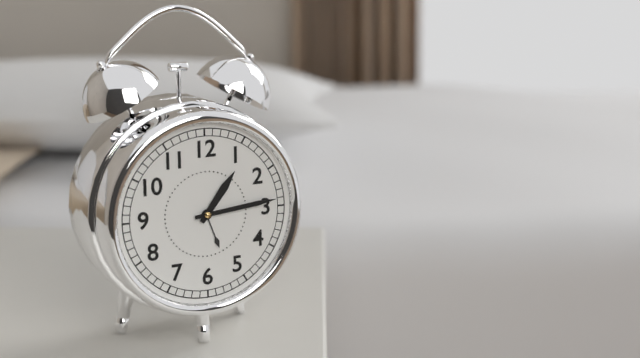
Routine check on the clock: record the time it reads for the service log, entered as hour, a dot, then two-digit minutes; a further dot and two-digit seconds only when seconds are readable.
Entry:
1.14
